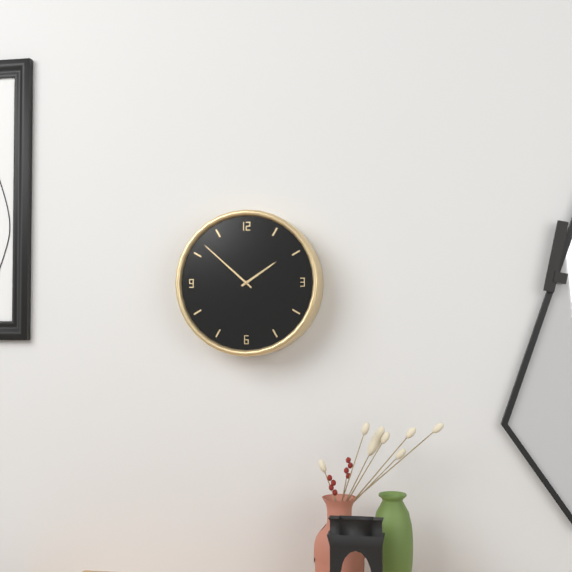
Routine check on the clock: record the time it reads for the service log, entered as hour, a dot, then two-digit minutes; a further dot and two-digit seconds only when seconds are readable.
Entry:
1.52
